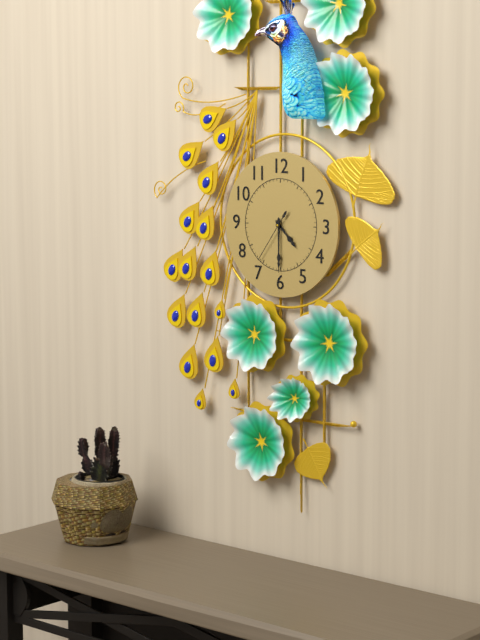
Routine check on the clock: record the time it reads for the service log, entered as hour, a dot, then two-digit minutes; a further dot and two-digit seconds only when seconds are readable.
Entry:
4.30.36
